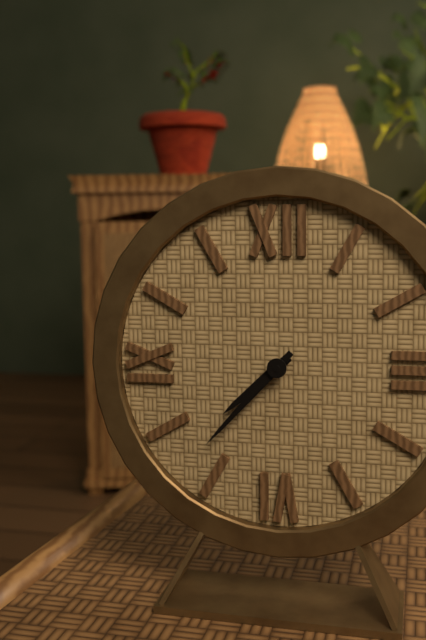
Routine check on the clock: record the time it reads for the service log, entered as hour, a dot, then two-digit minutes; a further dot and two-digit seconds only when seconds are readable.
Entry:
7.37
